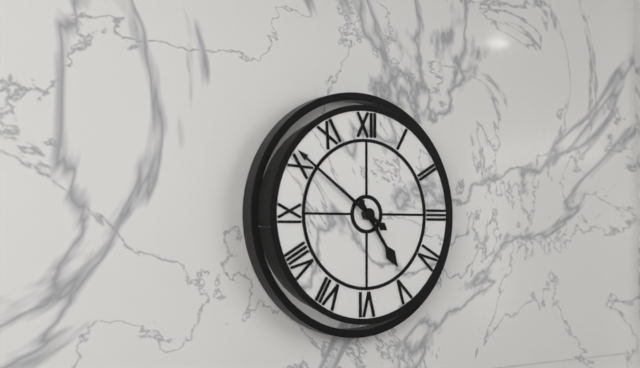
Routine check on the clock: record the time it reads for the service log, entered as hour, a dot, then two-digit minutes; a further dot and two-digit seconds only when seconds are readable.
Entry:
4.51
